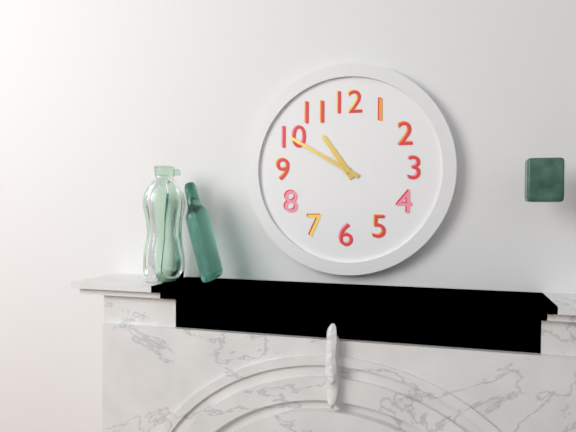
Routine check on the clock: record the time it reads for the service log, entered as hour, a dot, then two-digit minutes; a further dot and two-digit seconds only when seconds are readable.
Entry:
10.50
